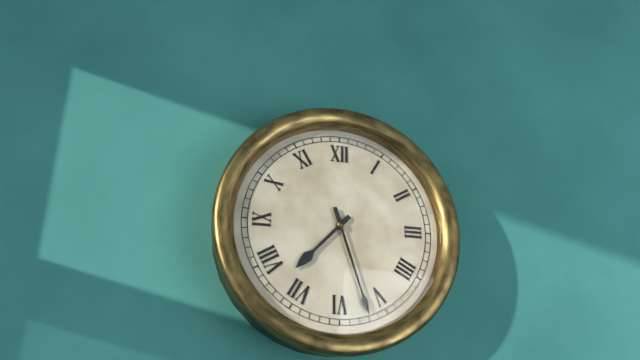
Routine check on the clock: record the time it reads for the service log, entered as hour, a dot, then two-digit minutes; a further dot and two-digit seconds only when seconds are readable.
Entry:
7.27
